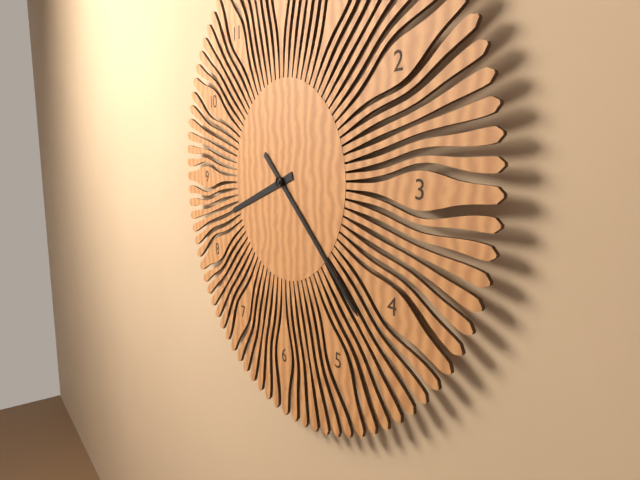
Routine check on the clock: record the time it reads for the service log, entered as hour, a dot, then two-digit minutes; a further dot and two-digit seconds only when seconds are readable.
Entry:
8.22
